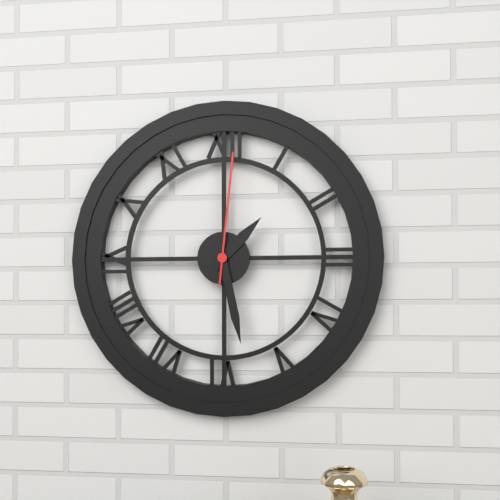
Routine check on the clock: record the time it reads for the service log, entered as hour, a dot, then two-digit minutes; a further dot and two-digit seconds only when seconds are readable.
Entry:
1.28.01
